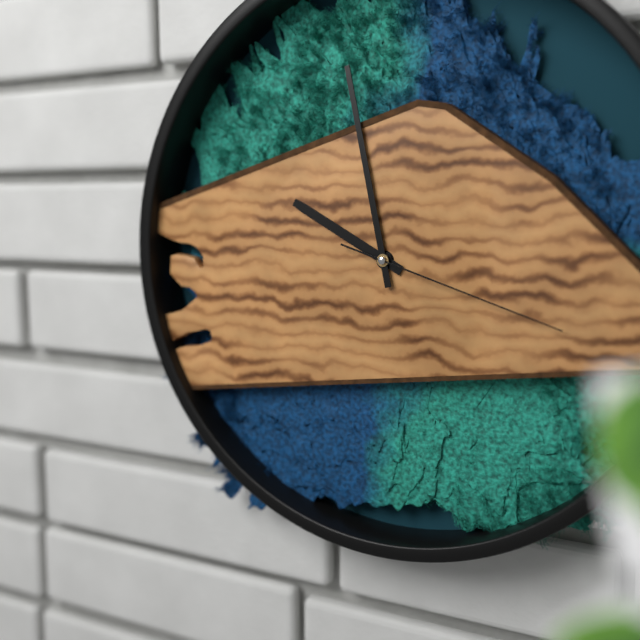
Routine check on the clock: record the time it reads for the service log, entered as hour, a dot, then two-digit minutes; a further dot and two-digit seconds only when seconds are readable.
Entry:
9.58.18
